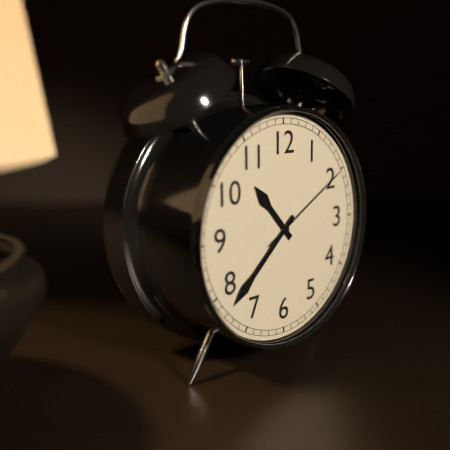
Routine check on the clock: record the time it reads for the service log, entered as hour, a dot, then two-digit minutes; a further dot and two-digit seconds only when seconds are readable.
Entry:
10.38.10
